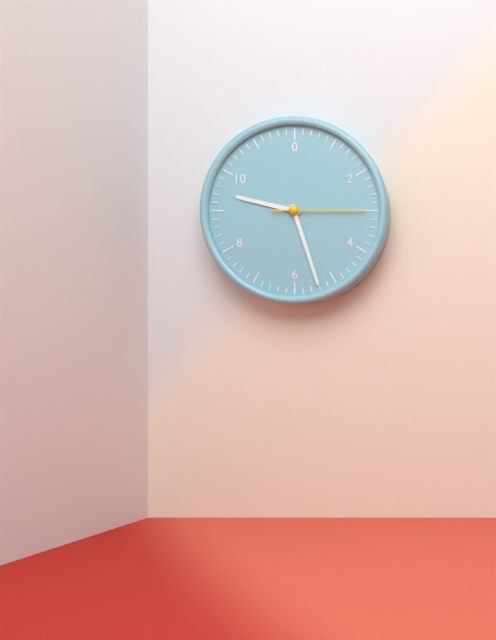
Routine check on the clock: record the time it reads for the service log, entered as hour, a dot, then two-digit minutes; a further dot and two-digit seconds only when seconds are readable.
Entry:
9.27.15
